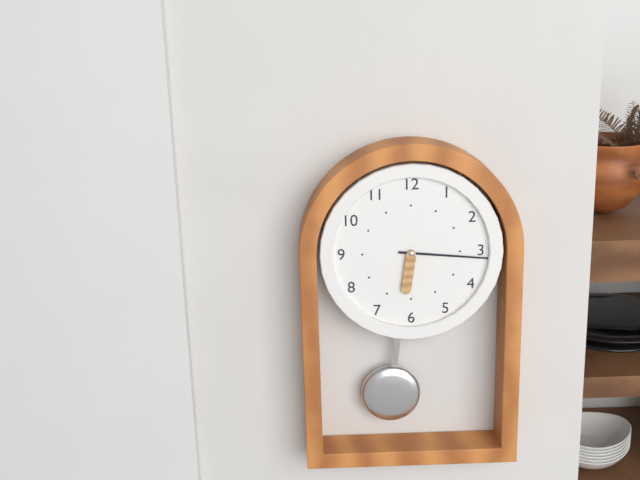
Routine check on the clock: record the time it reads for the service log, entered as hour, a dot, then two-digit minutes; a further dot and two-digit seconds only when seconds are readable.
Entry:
6.16
